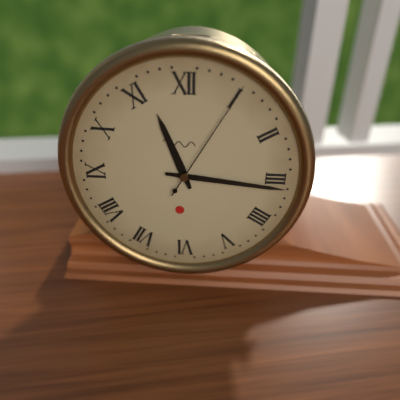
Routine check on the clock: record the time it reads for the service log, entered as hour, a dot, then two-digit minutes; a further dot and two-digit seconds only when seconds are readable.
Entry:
11.16.05
